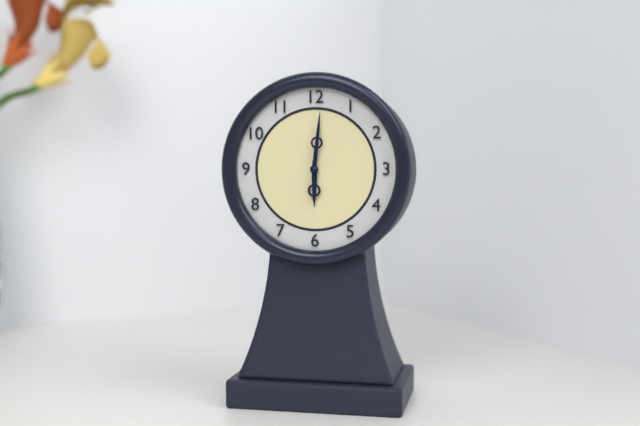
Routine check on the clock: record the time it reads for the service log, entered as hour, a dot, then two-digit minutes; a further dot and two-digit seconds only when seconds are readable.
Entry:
6.01
